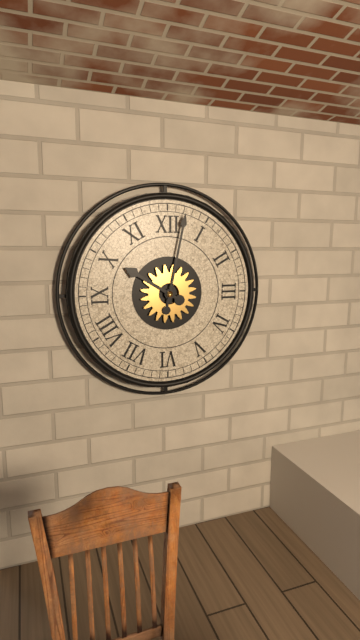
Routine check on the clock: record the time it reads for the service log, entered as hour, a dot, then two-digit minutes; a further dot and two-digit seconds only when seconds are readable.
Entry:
10.02
